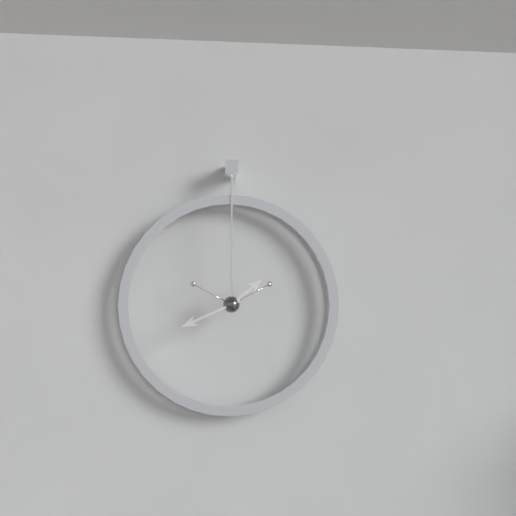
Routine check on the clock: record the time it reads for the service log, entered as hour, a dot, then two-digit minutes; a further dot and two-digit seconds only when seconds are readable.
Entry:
1.41
